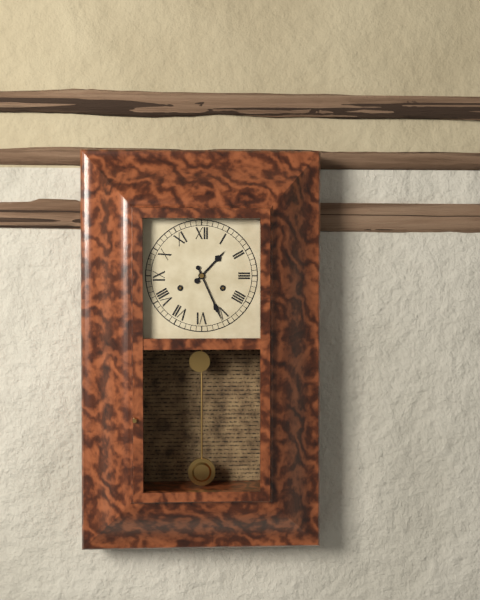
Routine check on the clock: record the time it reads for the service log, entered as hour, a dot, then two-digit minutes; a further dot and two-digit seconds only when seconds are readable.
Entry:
1.26
